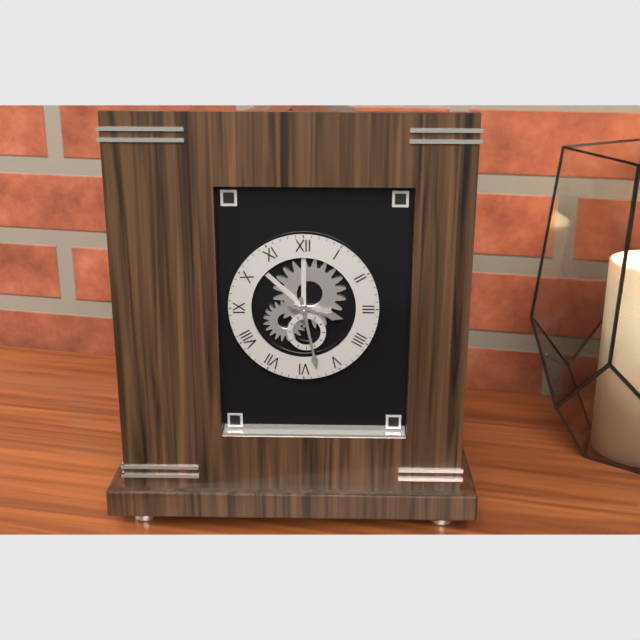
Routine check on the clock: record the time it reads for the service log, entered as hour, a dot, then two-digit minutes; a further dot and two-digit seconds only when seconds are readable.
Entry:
3.28
